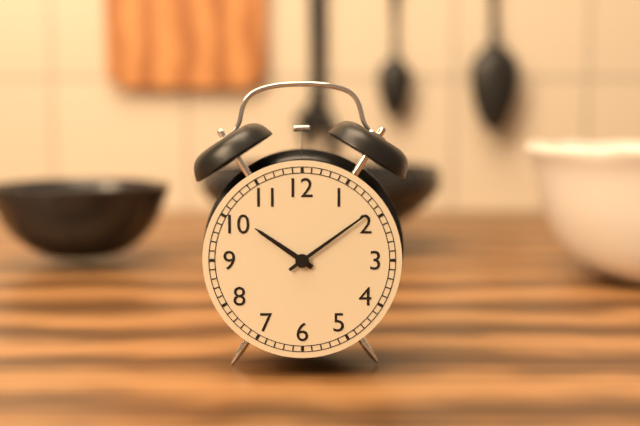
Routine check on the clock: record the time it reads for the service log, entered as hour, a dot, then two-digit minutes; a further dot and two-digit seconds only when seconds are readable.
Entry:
10.09
